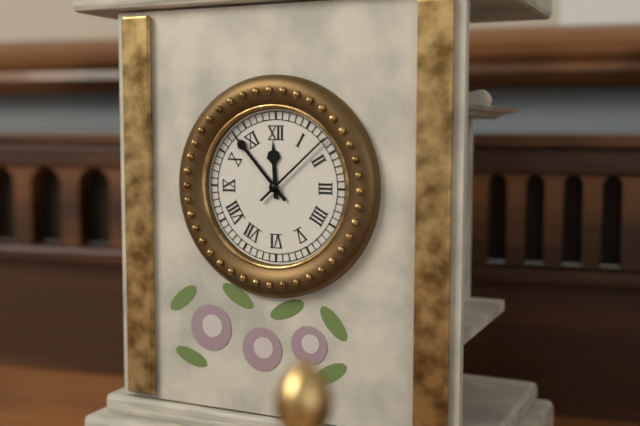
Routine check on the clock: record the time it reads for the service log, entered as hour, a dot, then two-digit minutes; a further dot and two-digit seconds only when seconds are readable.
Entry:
11.53.08
